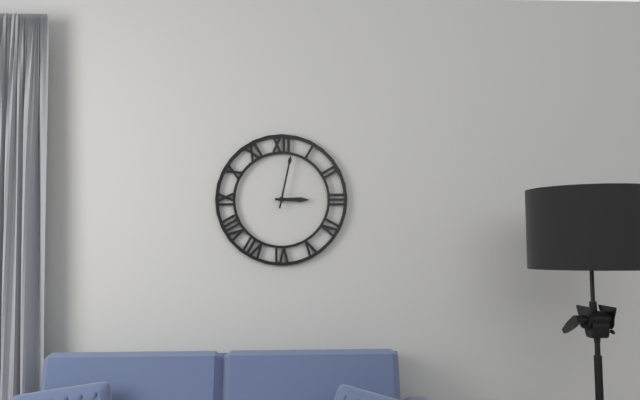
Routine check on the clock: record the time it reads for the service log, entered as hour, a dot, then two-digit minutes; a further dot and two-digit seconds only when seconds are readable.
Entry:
3.02
